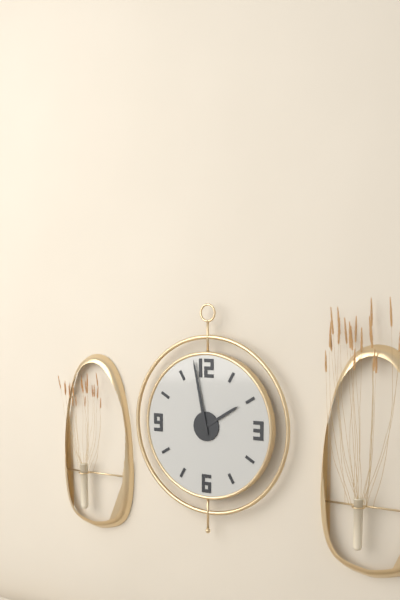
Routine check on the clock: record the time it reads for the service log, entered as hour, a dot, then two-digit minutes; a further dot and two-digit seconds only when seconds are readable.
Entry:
1.58
